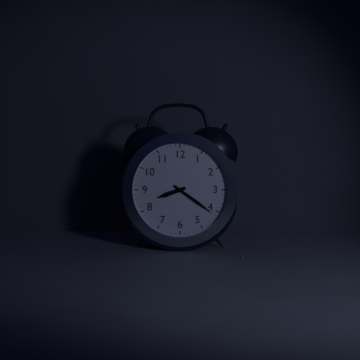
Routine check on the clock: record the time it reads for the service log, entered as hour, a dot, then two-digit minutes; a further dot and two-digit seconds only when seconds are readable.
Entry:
8.21
